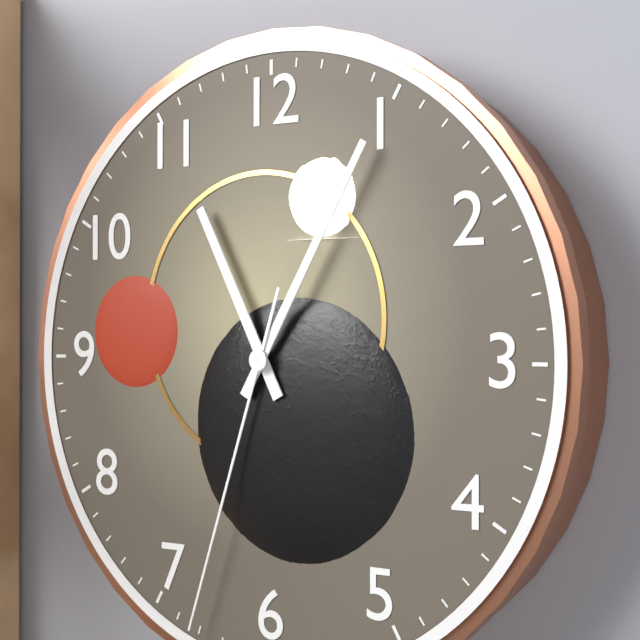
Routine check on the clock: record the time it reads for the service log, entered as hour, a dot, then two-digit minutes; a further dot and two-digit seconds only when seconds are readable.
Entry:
11.05.33
